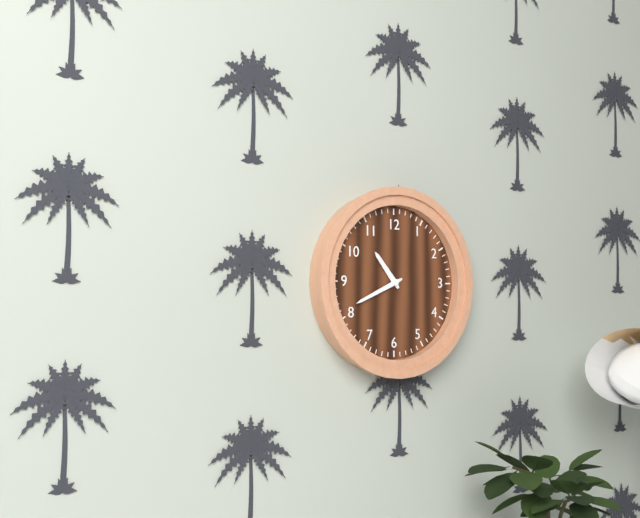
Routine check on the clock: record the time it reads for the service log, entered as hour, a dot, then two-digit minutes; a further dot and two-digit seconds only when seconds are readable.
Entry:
10.41
